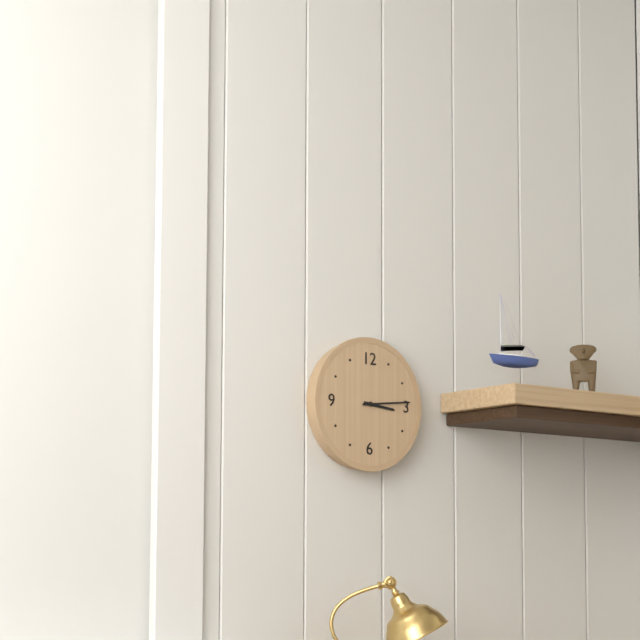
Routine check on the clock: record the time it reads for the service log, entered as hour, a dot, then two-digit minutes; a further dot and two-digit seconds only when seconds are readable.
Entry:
3.14
